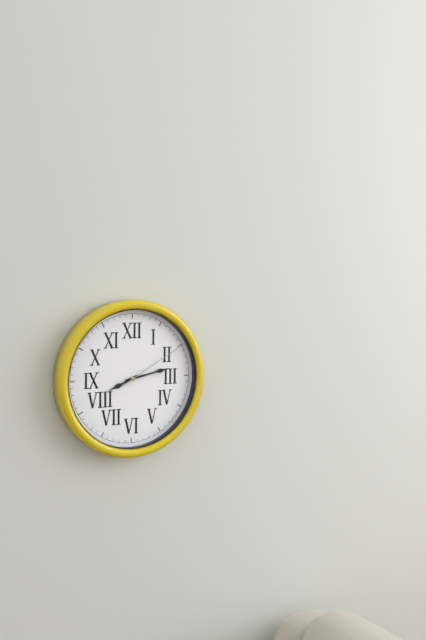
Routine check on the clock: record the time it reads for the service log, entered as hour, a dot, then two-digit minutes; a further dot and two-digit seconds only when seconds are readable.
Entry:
8.13.10
